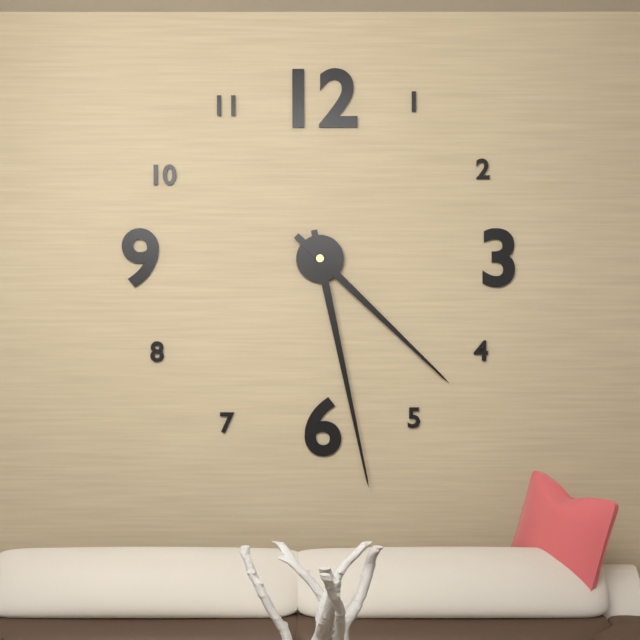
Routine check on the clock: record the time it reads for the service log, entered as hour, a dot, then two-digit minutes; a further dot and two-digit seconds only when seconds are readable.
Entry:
4.28
